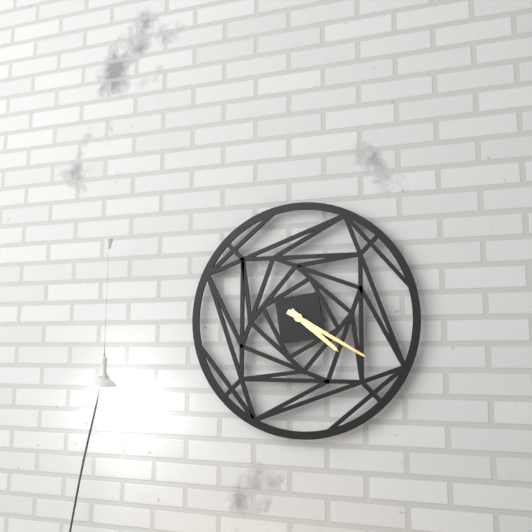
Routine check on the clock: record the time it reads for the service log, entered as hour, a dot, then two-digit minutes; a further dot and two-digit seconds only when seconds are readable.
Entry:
4.20
